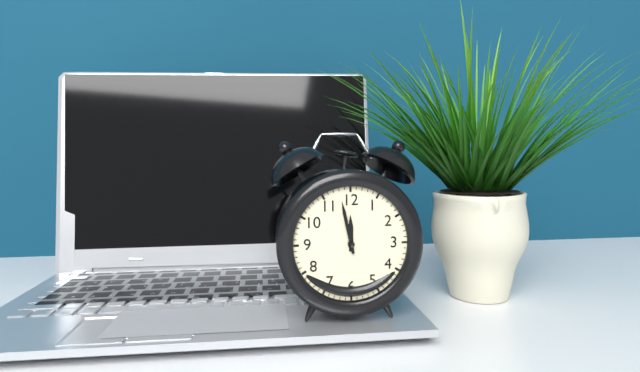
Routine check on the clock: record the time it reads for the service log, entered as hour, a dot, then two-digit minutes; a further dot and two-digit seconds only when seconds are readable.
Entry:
11.58
